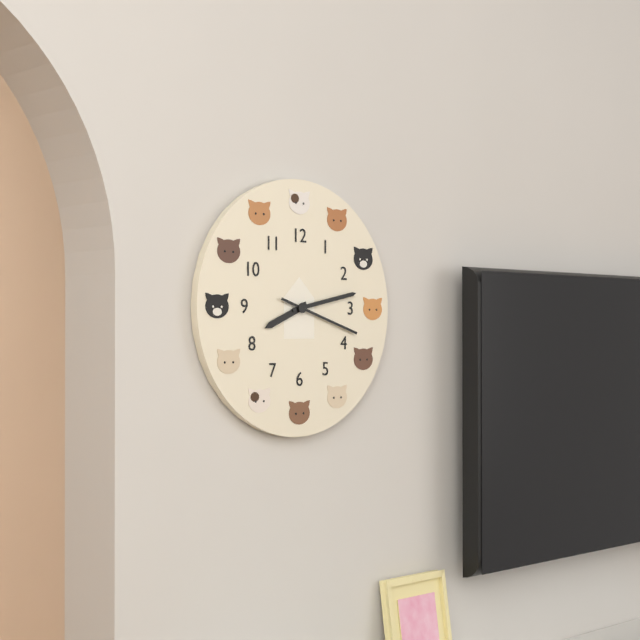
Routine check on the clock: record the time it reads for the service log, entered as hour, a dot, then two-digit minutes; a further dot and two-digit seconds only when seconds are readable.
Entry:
8.13.18
